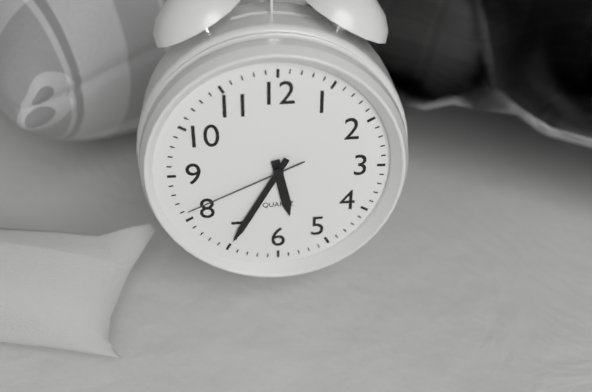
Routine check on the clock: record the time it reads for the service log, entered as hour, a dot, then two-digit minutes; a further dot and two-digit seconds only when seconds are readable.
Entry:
5.35.41
